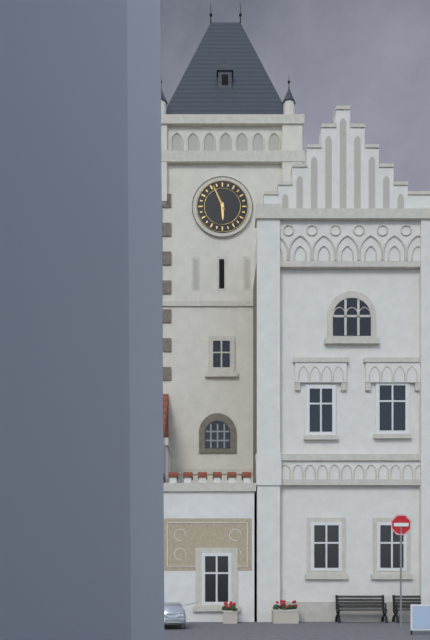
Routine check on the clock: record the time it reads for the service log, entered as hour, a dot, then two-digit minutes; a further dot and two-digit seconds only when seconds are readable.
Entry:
5.56
